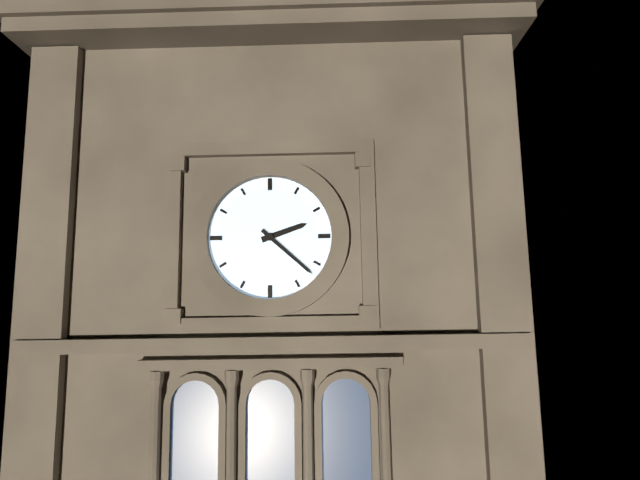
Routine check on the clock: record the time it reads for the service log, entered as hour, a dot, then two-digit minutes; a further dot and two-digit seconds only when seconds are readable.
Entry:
2.22
